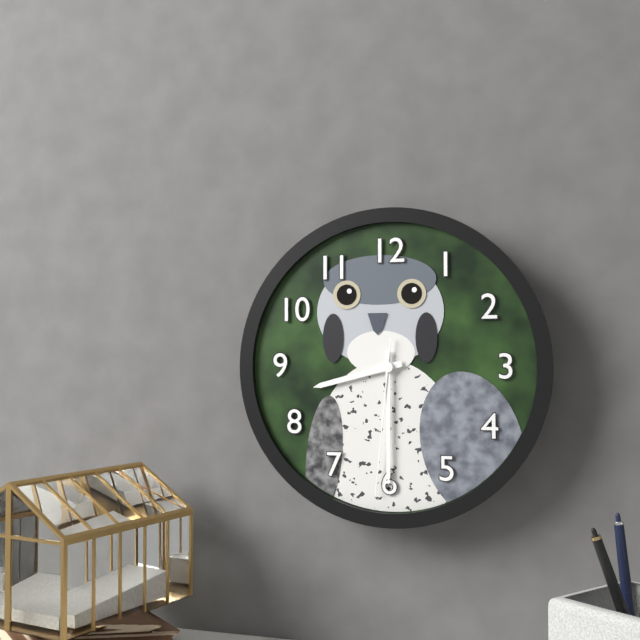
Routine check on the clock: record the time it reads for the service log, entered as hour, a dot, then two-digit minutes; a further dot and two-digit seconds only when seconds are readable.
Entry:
8.30.31
